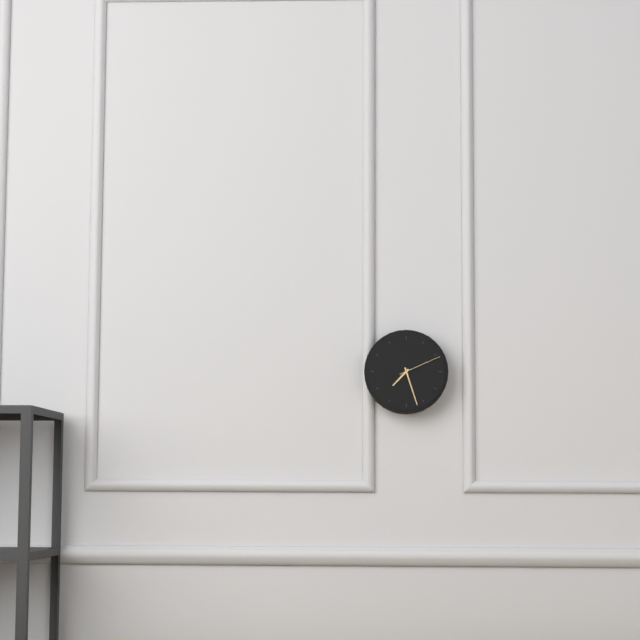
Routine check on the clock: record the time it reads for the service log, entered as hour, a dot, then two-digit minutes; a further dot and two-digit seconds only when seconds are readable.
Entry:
7.27
